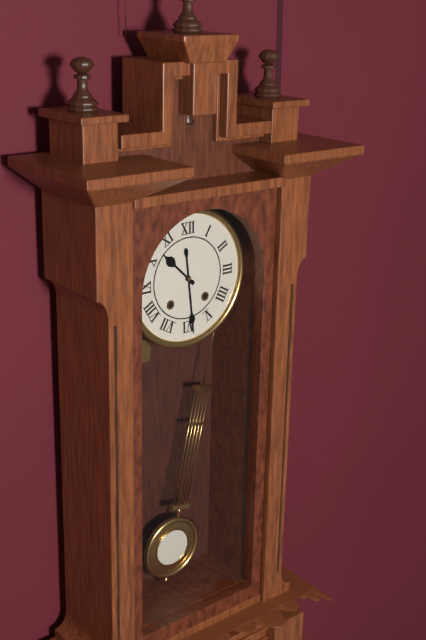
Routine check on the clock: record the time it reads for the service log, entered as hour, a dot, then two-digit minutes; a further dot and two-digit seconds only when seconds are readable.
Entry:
10.29
